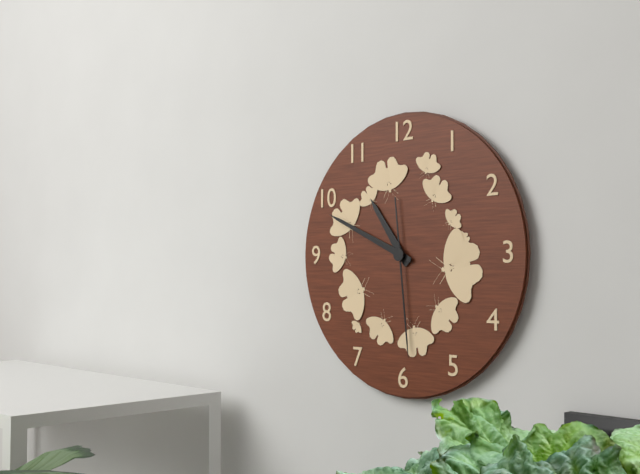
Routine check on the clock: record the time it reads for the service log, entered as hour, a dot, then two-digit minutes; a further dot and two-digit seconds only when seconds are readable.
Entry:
10.49.29
